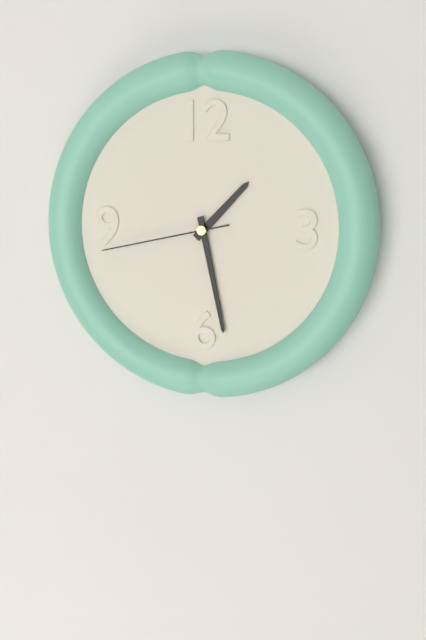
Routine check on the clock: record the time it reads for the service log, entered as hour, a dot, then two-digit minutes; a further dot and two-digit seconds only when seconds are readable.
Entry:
1.28.43
